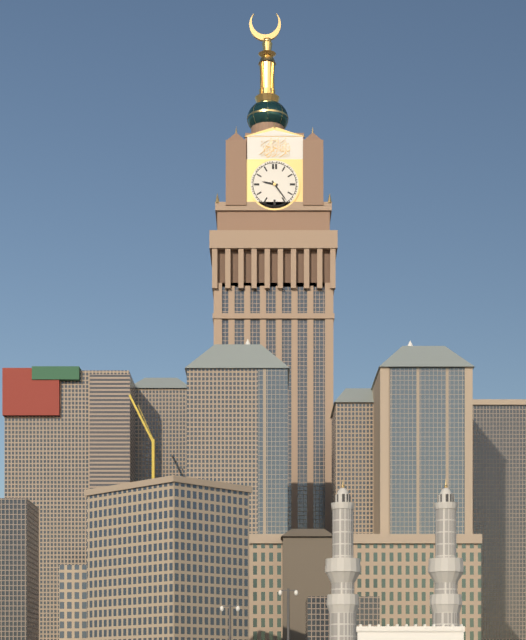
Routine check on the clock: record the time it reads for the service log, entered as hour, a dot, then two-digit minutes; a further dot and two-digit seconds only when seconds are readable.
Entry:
9.24
